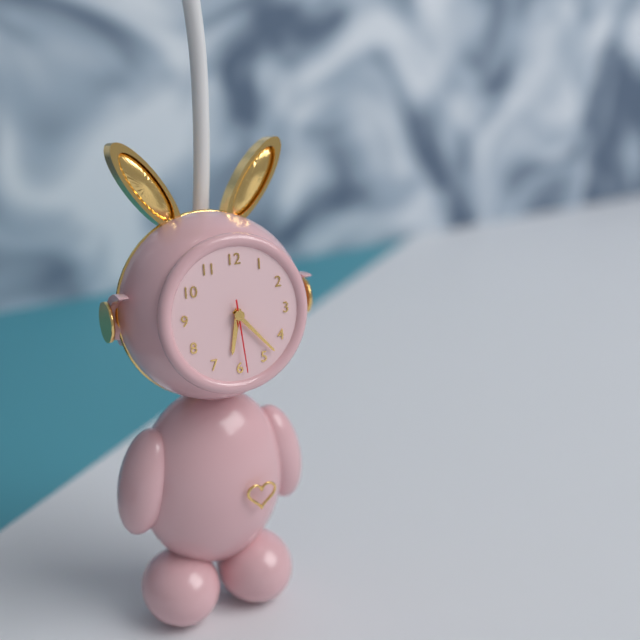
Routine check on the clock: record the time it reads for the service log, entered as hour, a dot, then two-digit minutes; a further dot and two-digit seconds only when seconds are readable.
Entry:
6.23.29
